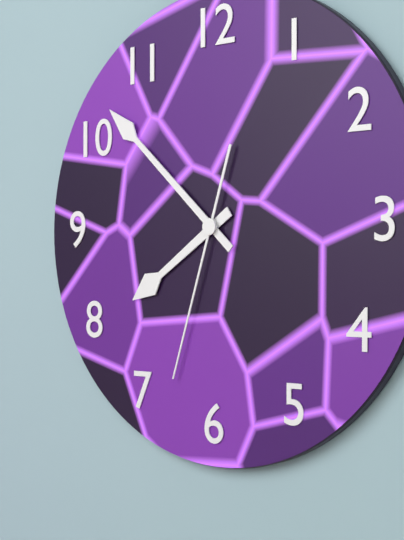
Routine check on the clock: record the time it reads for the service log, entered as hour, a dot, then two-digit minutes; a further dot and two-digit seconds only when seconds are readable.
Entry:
7.52.33
